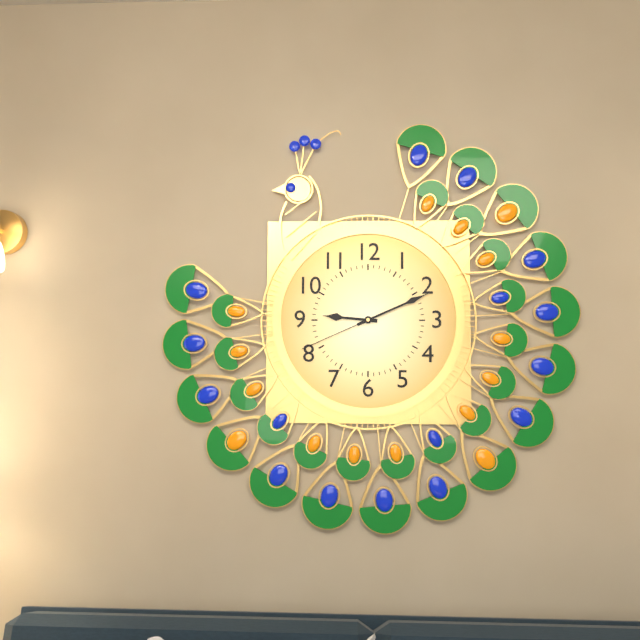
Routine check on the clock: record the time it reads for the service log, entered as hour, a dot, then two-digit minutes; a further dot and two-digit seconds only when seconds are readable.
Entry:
9.11.41
